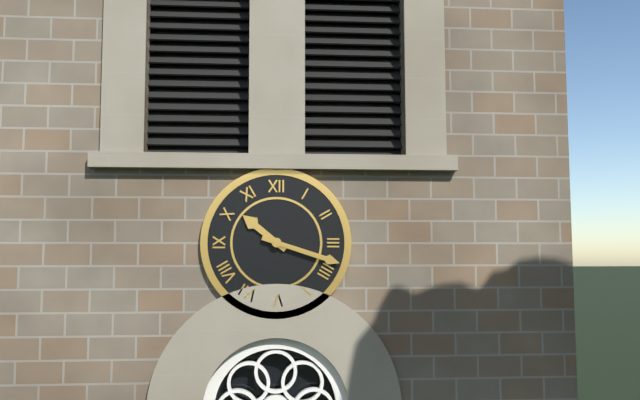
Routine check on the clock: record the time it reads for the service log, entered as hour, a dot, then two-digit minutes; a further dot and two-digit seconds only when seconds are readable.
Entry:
10.18
